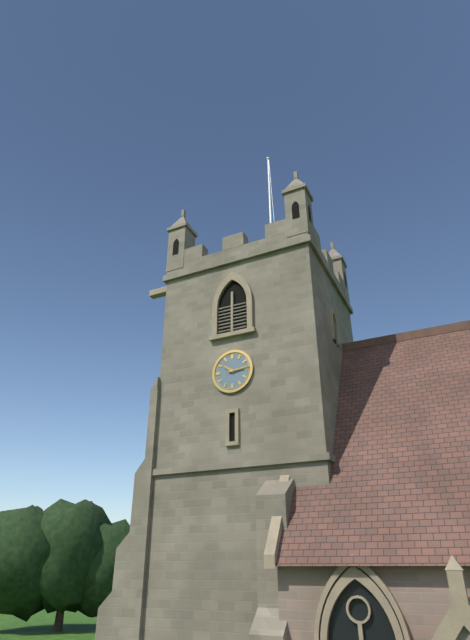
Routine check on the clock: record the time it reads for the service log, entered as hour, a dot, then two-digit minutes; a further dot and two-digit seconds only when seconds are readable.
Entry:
10.14
